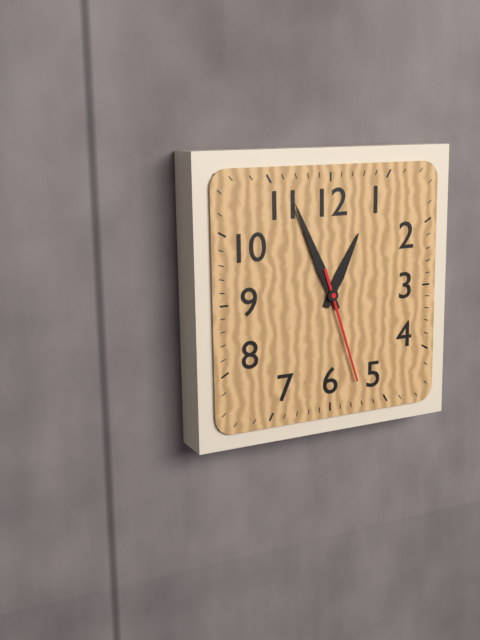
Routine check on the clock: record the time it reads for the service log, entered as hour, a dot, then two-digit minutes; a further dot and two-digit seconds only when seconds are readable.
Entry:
12.56.27
